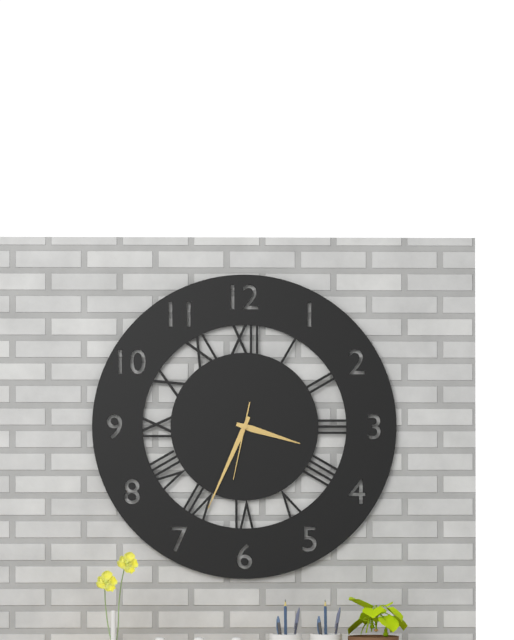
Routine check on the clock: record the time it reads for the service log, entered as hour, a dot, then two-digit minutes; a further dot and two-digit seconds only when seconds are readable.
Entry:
3.34.32
